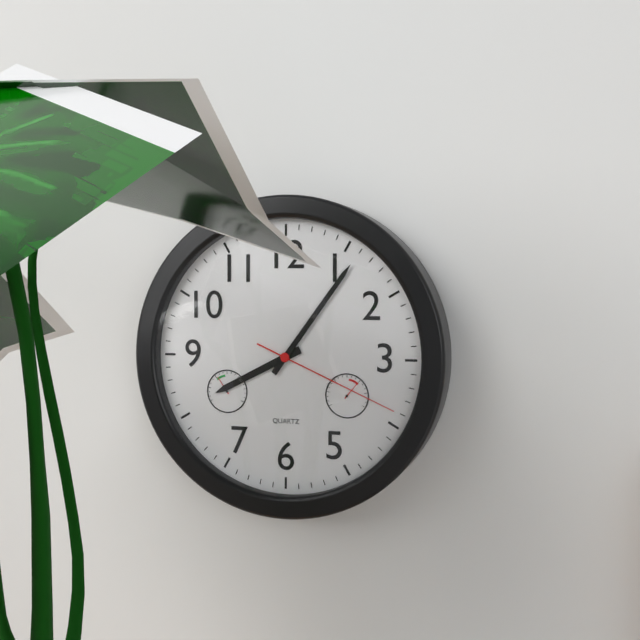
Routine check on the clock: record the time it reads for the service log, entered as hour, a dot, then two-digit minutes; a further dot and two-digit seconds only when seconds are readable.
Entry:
8.06.19
